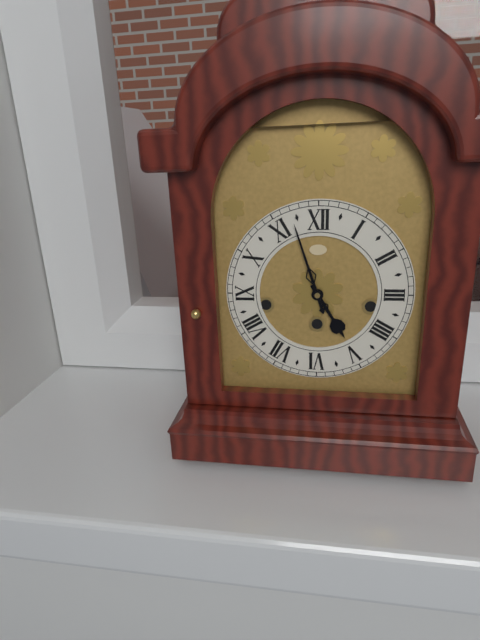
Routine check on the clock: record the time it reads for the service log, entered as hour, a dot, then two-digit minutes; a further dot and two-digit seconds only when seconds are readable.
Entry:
4.57
